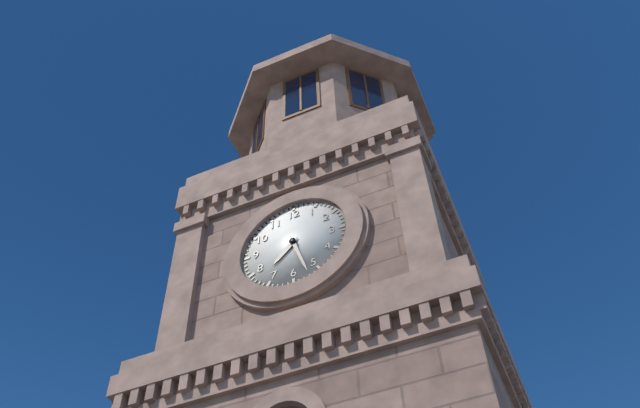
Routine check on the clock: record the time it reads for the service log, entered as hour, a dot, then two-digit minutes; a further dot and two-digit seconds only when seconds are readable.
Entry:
7.27
